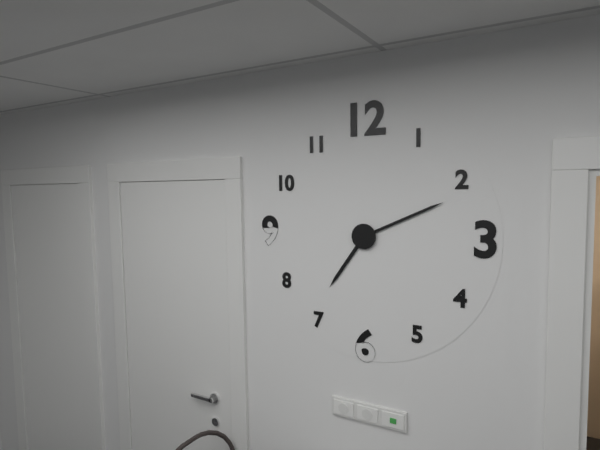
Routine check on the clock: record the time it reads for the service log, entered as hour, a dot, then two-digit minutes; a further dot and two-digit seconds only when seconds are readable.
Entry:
7.11
